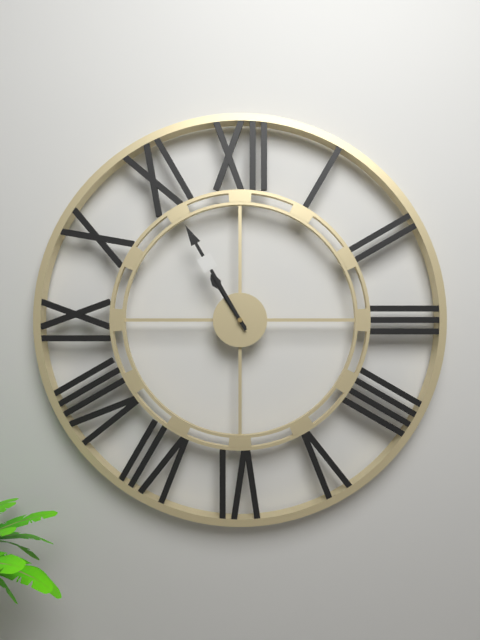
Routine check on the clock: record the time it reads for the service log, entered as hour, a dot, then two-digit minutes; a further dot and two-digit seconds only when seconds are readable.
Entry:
10.55
